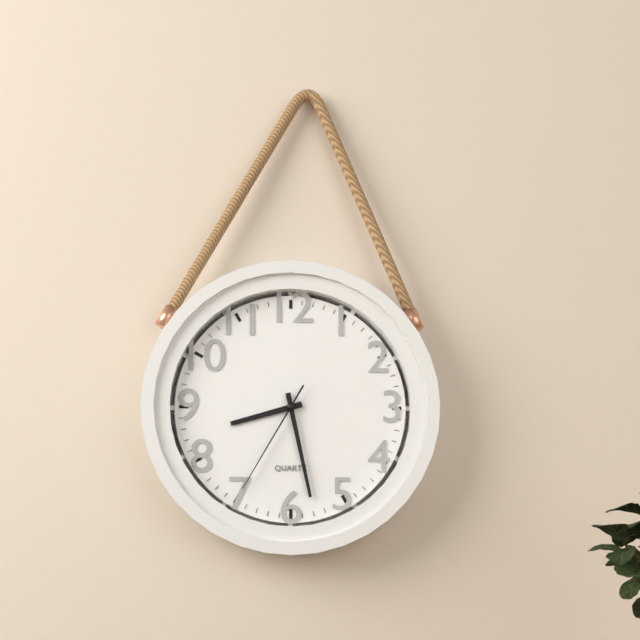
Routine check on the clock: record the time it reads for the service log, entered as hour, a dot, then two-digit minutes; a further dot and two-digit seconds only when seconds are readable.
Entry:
8.28.35
